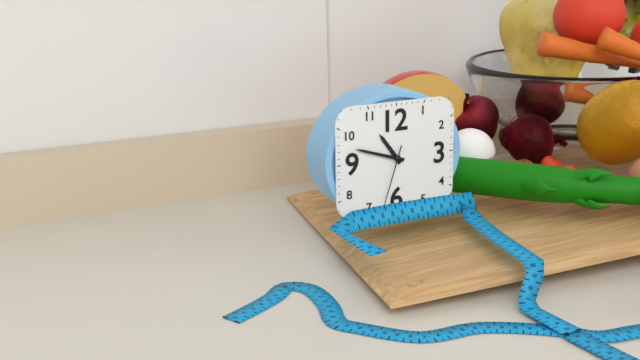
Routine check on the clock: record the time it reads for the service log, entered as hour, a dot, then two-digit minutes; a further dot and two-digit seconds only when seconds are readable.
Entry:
10.48.33
